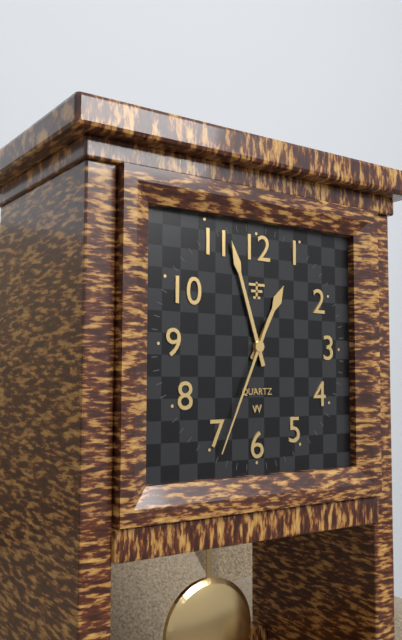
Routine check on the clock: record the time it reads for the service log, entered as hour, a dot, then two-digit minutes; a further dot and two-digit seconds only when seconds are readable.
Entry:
12.57.34
